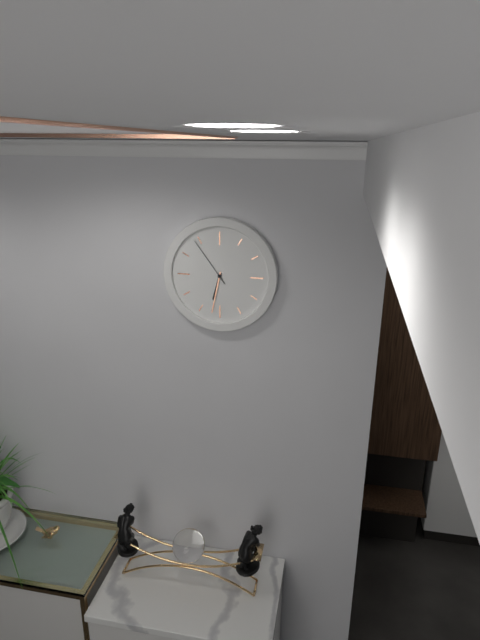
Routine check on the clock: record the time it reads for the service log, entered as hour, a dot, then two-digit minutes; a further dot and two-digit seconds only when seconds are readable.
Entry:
6.32.54
